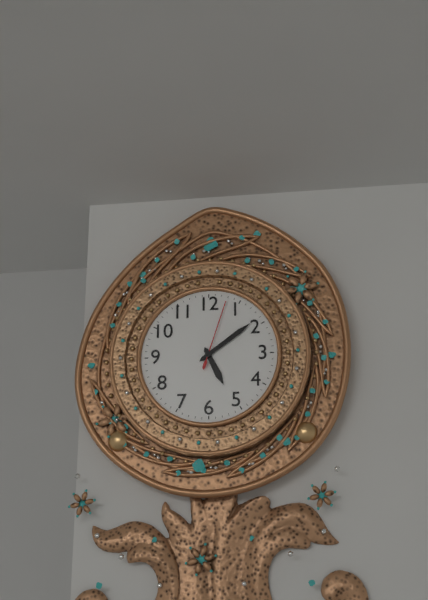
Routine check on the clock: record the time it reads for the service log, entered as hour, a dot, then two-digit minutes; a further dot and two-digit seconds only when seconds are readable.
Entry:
5.09.03
